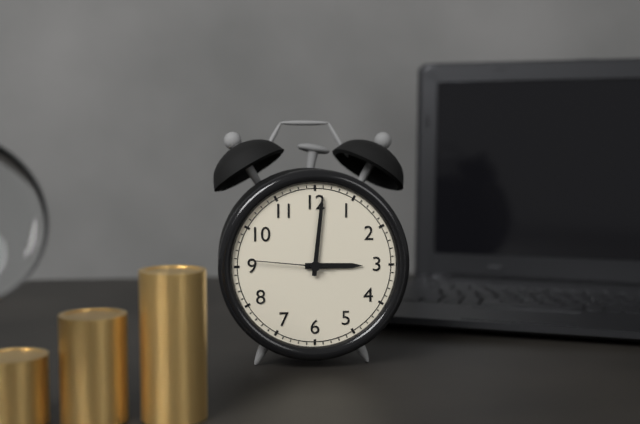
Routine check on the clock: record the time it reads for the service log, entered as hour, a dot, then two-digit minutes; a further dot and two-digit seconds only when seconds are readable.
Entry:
3.01.46
